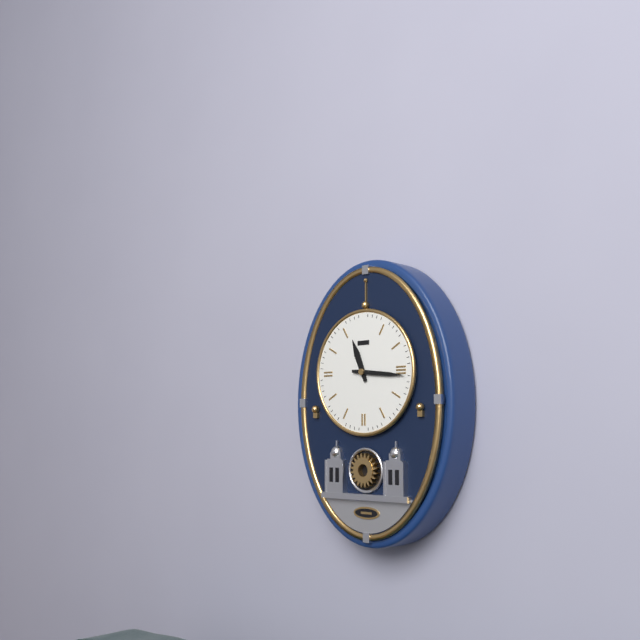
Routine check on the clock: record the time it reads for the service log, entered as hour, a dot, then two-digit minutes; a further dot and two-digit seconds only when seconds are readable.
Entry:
11.16
